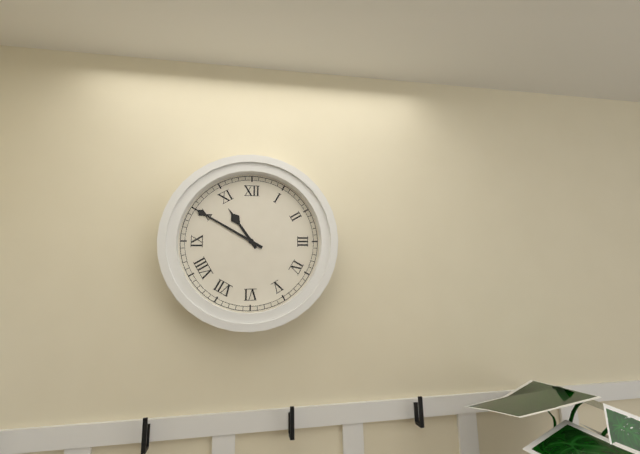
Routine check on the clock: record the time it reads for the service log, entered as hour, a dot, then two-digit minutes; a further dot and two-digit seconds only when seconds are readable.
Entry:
10.50
